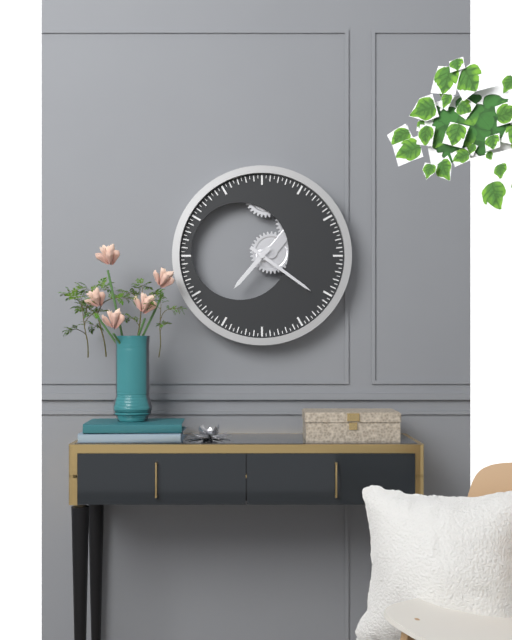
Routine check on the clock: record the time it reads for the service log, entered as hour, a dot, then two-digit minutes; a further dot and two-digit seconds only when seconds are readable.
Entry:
7.21
